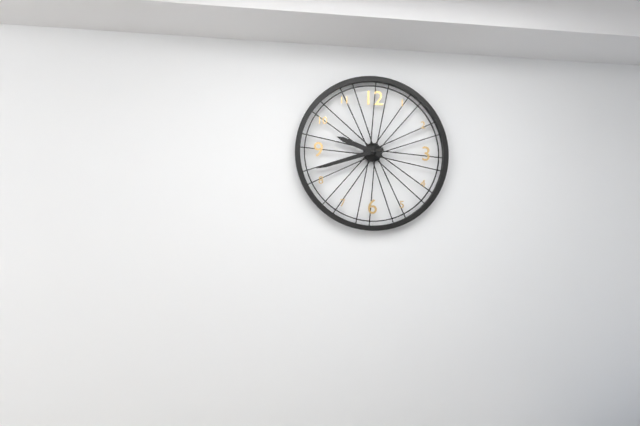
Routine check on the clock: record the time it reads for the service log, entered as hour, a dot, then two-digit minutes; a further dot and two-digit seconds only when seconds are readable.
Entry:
9.42
